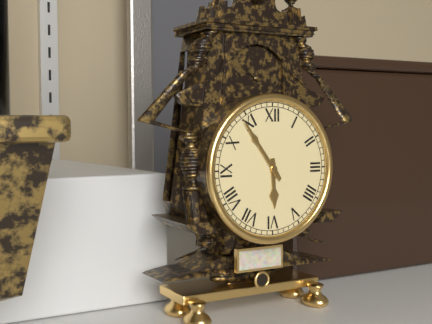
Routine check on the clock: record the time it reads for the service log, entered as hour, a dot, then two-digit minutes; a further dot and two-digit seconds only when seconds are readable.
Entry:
5.54
